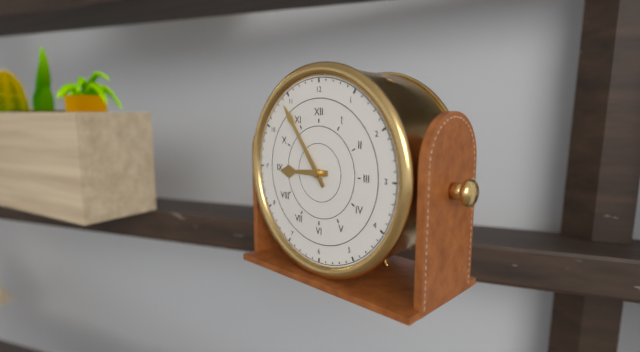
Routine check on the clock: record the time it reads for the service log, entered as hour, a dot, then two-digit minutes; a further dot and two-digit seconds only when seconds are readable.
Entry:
8.54
